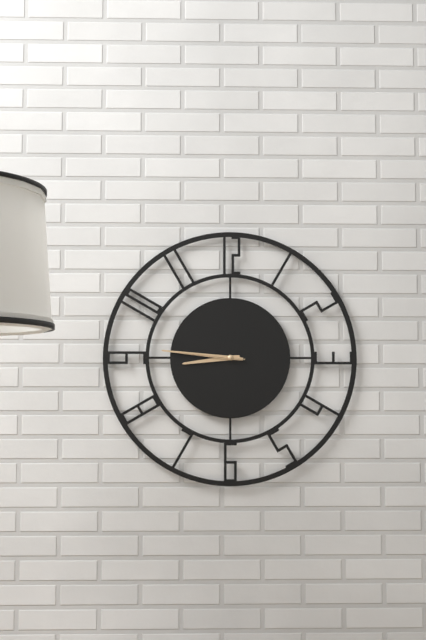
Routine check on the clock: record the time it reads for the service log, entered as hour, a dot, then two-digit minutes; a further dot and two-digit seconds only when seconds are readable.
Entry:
8.46.46
